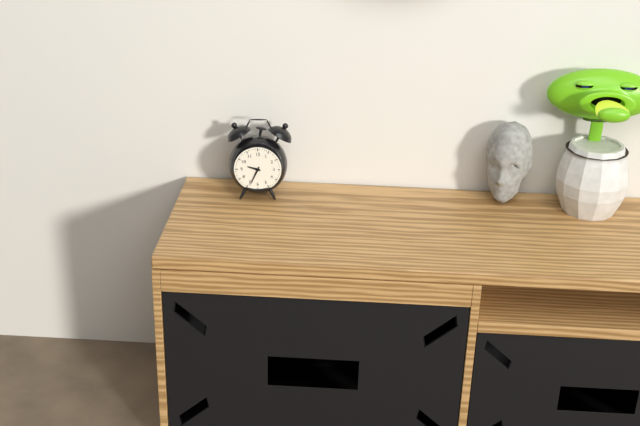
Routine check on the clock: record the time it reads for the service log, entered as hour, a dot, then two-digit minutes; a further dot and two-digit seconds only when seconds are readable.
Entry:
9.34
